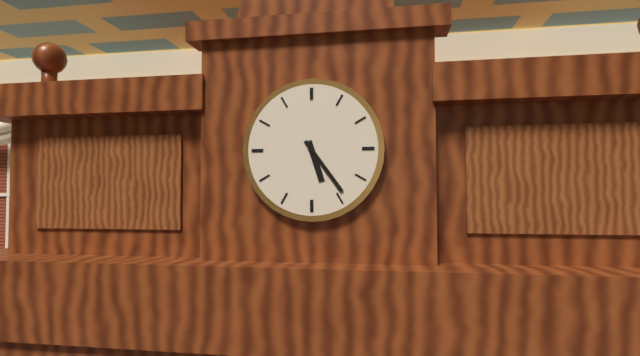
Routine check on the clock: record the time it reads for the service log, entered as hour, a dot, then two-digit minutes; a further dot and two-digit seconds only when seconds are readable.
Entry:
5.24
